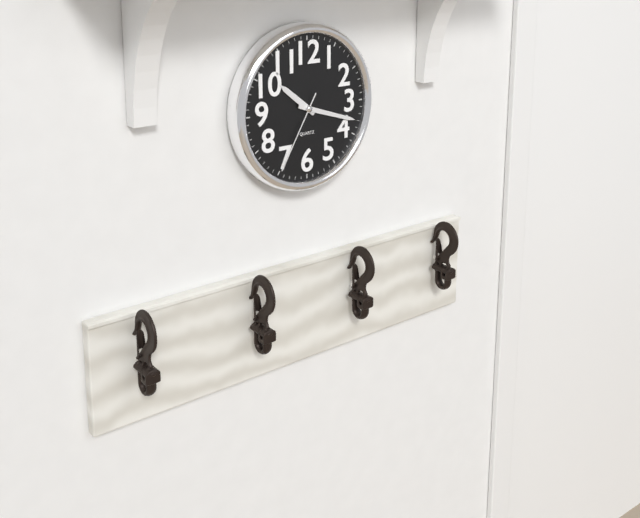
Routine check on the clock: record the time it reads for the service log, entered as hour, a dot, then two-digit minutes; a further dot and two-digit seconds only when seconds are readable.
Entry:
10.18.35
